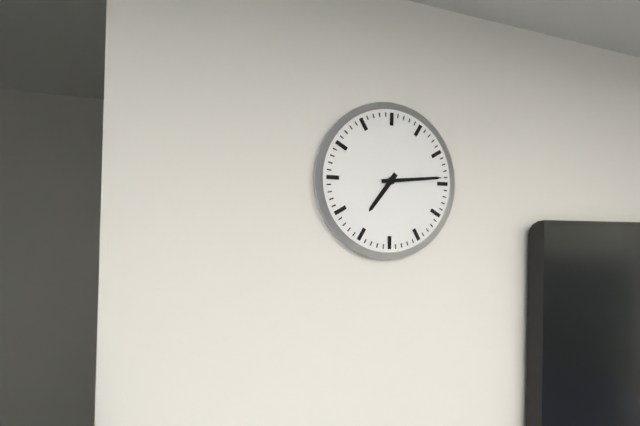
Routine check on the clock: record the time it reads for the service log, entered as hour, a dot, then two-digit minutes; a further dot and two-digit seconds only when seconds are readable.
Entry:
7.14
